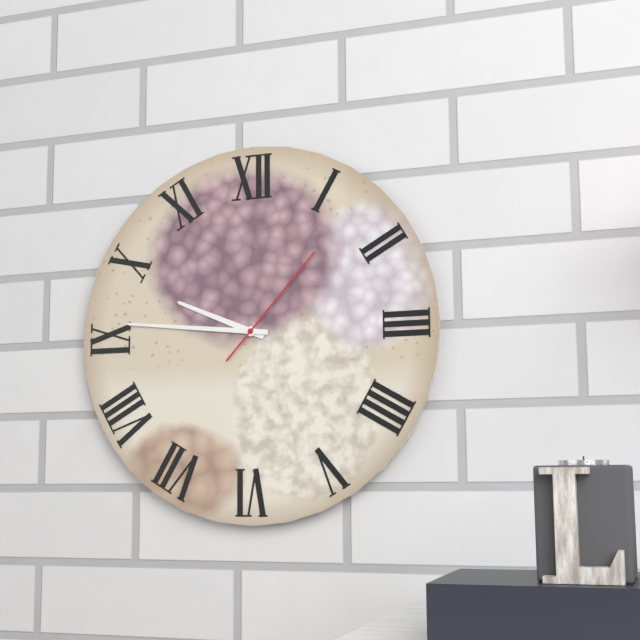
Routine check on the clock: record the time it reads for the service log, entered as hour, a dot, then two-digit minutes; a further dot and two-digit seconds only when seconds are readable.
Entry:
9.46.07
